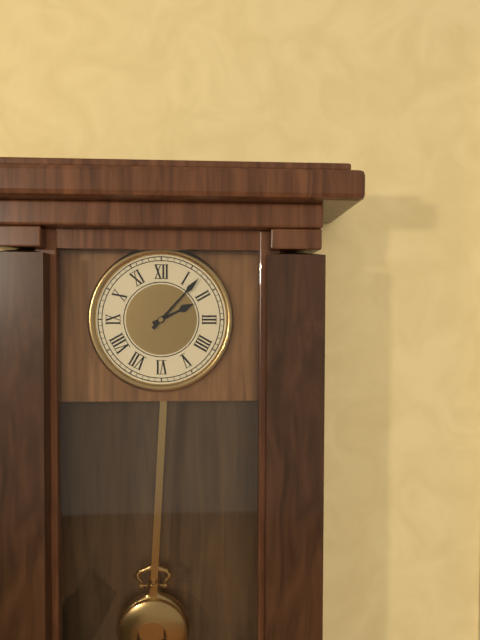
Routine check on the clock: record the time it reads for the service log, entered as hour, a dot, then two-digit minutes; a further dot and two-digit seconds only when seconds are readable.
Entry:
2.07
